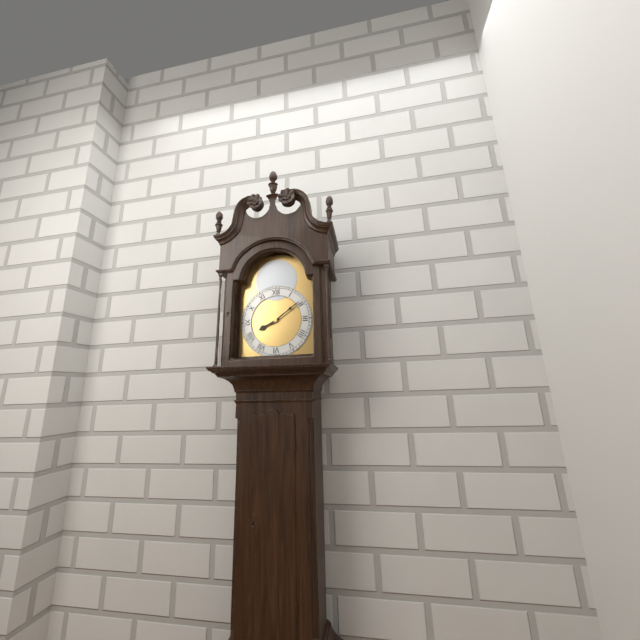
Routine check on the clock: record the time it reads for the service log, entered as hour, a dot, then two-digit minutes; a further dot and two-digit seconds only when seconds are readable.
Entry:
8.09
